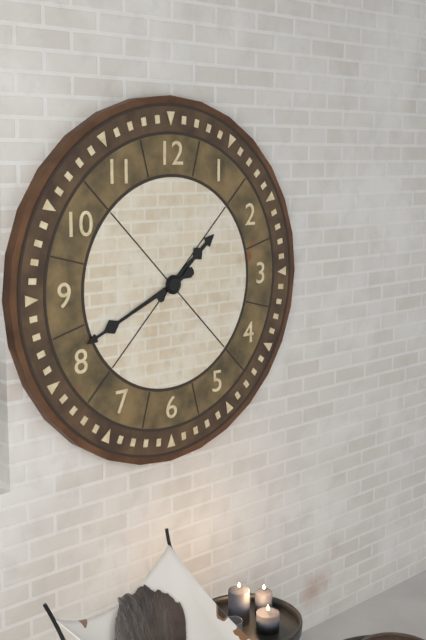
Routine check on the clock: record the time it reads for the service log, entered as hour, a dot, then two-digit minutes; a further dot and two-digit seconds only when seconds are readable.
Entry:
1.41
